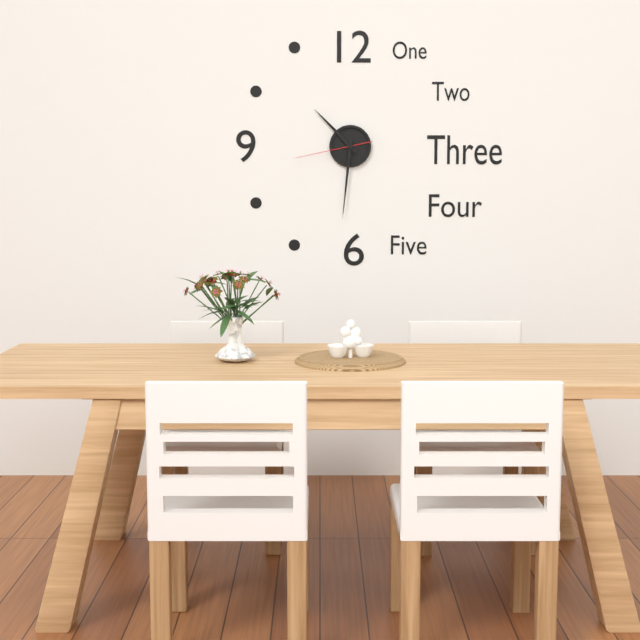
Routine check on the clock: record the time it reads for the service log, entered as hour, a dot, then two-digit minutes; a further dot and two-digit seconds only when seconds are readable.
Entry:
10.31.43
